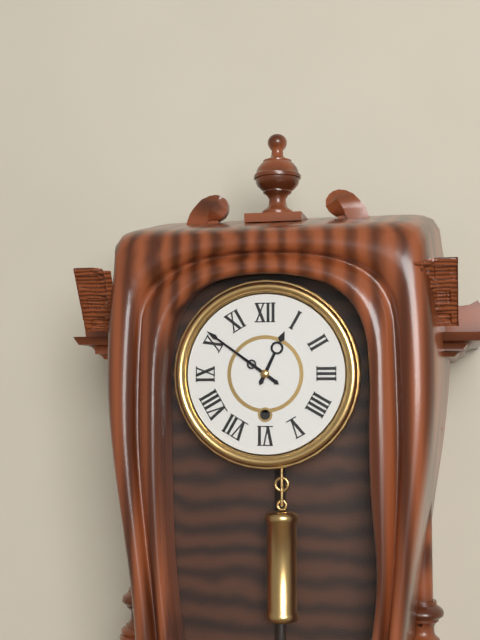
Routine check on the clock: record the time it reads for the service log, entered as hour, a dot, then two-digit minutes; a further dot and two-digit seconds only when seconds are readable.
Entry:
12.51
